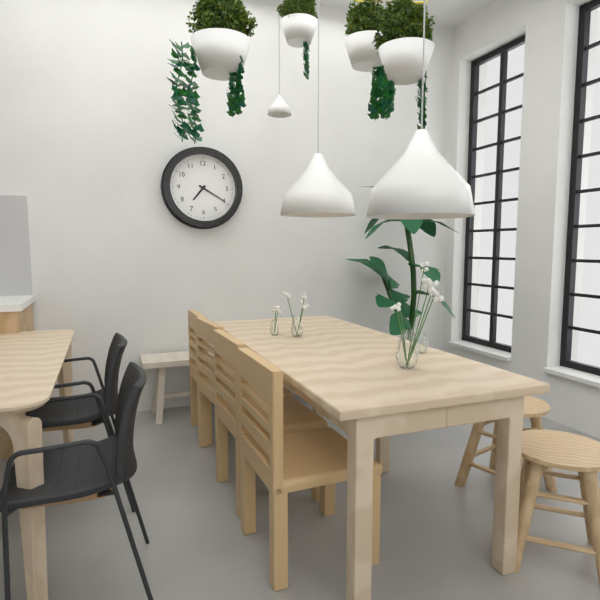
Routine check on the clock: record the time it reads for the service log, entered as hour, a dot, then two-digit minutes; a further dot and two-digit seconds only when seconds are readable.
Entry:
7.20
